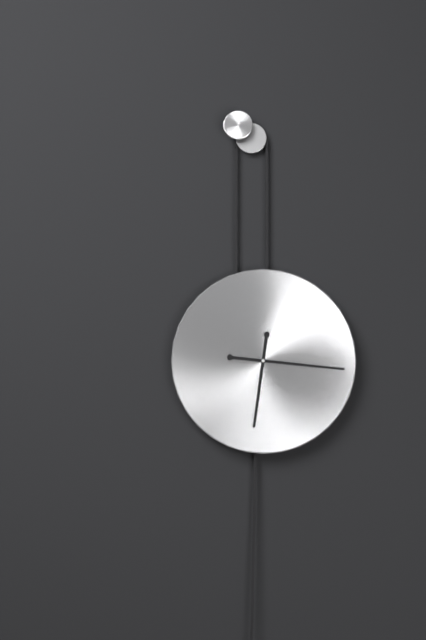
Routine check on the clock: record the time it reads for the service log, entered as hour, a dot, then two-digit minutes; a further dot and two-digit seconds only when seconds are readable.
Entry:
6.16
